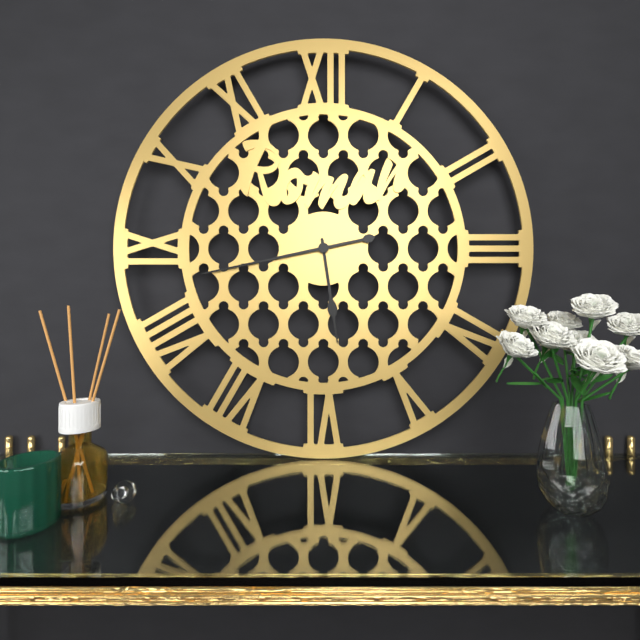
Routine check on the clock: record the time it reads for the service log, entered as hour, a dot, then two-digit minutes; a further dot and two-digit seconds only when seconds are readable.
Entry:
5.43
